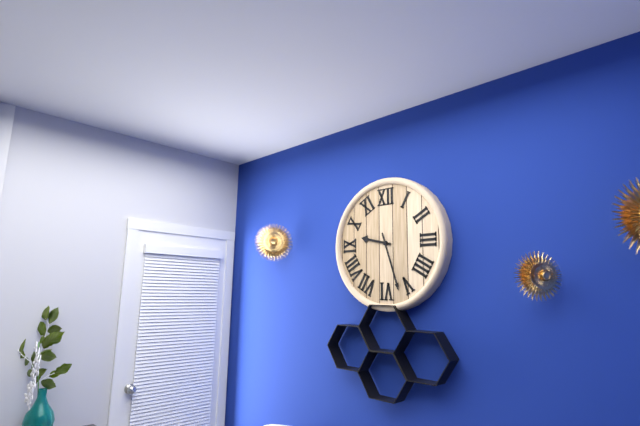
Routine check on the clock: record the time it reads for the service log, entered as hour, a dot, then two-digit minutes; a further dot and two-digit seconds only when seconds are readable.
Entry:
9.27
